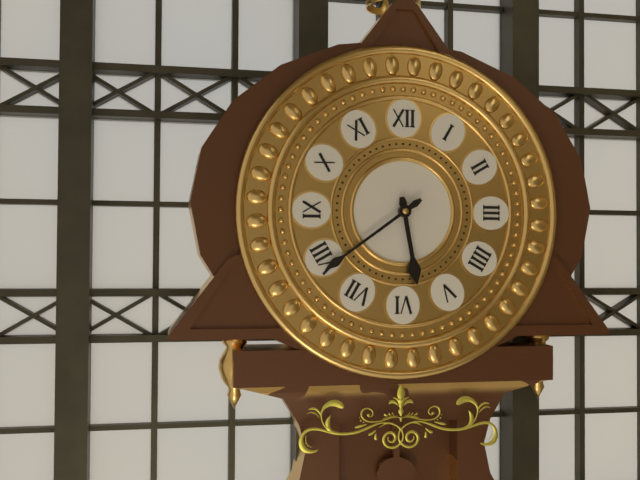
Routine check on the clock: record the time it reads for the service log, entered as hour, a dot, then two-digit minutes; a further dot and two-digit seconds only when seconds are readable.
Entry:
5.39
